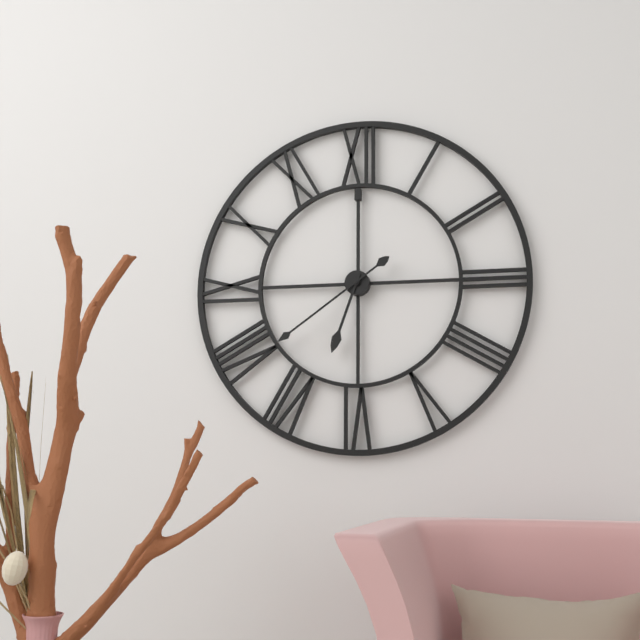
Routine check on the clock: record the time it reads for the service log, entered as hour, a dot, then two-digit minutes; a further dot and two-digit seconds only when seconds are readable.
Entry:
6.39
